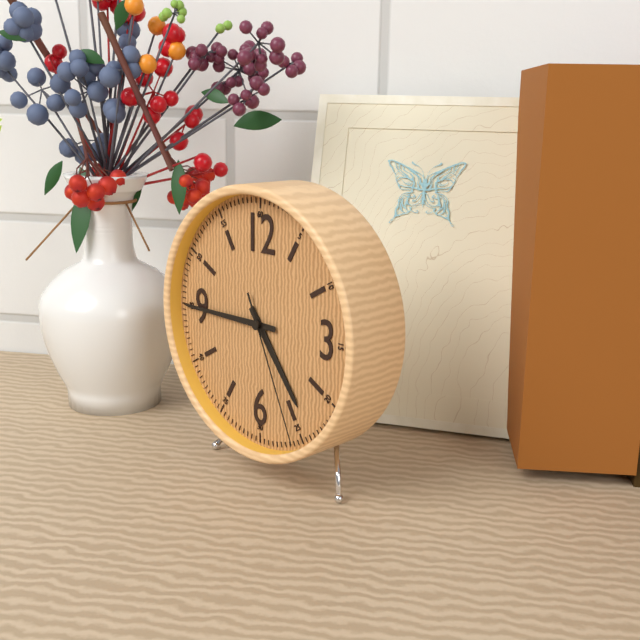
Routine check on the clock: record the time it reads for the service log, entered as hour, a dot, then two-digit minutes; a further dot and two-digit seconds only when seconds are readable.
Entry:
4.45.26
